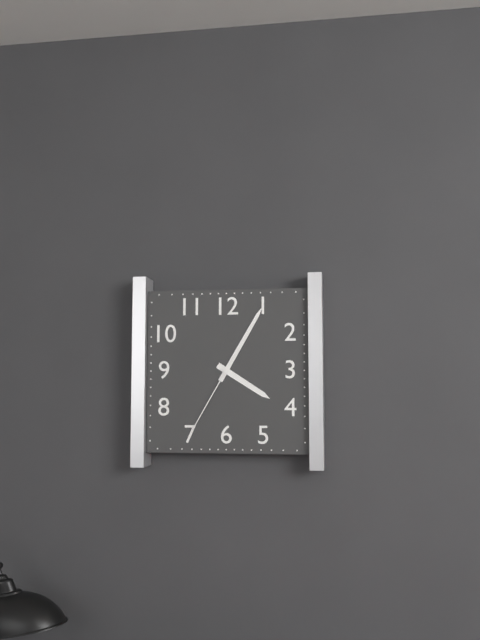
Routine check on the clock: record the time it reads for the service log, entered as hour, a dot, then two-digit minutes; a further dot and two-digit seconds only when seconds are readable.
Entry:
4.05.35
